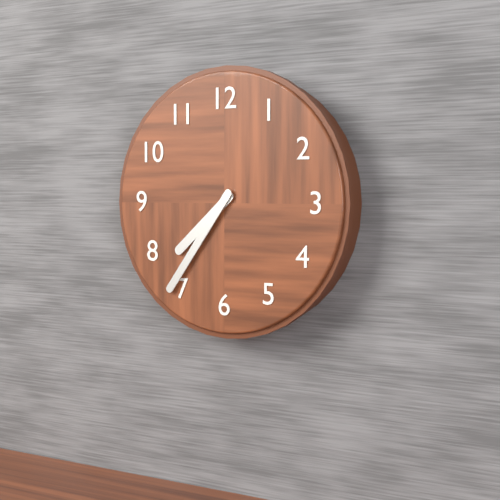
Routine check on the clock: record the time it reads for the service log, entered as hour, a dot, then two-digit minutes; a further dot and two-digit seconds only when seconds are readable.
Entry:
7.36
